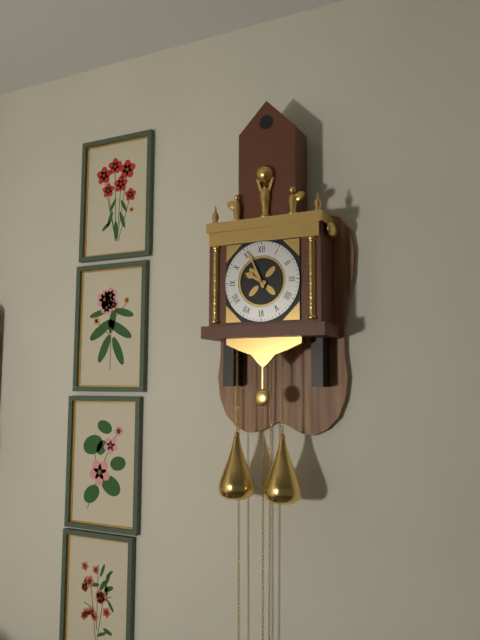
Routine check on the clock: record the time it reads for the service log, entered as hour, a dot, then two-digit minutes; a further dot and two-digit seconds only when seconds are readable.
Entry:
9.56
